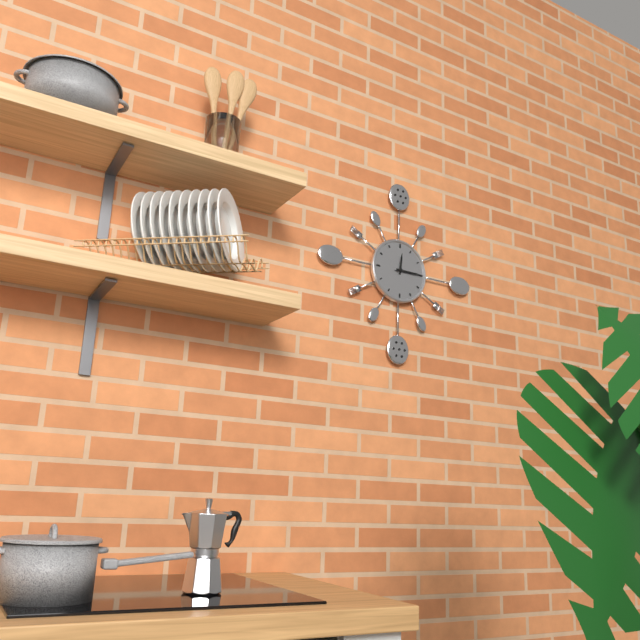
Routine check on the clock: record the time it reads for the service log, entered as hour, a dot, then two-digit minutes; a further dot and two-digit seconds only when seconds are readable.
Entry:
12.15
